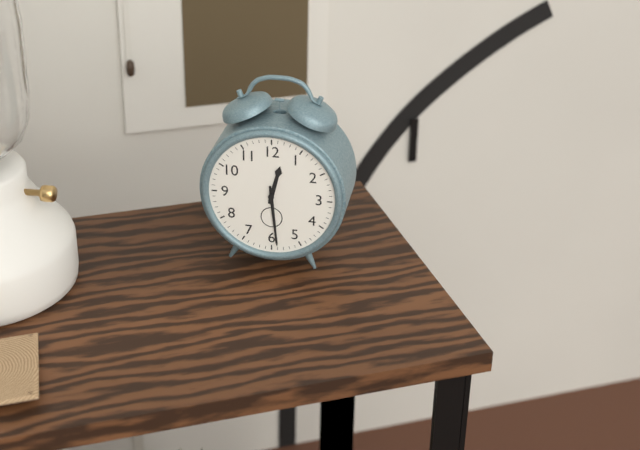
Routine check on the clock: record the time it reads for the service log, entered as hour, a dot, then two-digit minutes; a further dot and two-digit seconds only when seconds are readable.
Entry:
12.29
